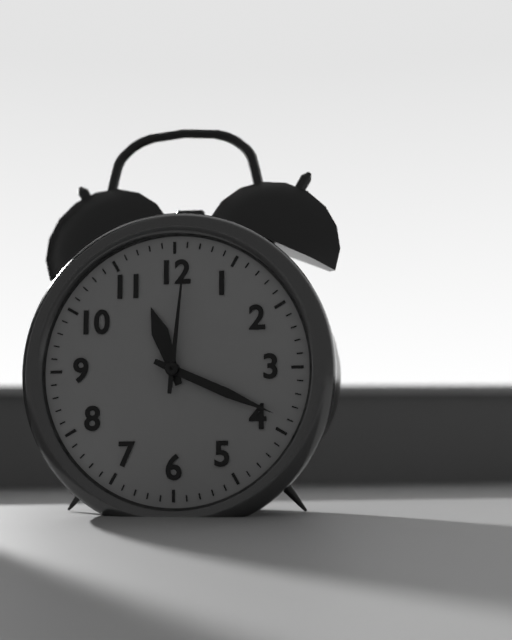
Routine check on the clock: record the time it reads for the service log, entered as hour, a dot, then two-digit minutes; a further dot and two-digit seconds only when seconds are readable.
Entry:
11.19.01
